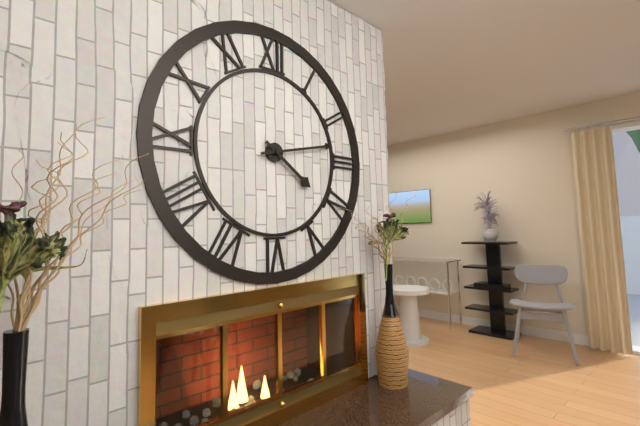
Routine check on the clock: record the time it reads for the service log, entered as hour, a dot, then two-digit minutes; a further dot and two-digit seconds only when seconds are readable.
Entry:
4.13
